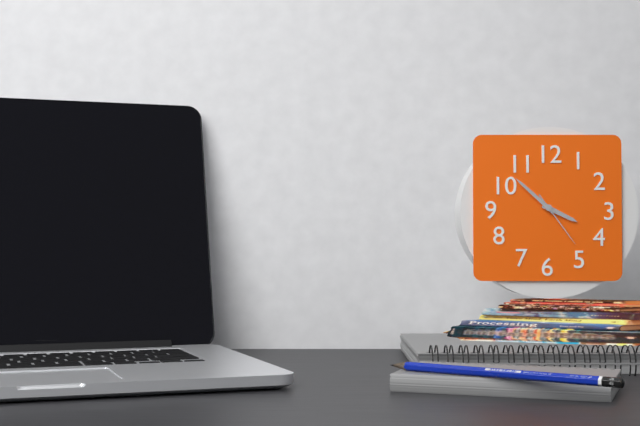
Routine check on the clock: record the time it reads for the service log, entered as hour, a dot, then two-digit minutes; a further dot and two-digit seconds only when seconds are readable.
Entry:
3.52.24
